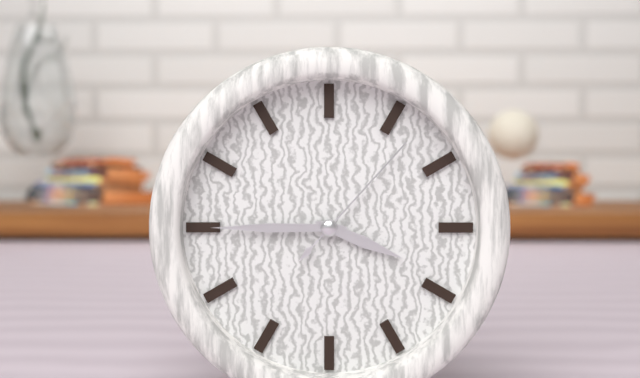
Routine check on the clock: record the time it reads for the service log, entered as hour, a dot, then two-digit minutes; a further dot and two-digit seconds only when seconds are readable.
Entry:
3.45.07
